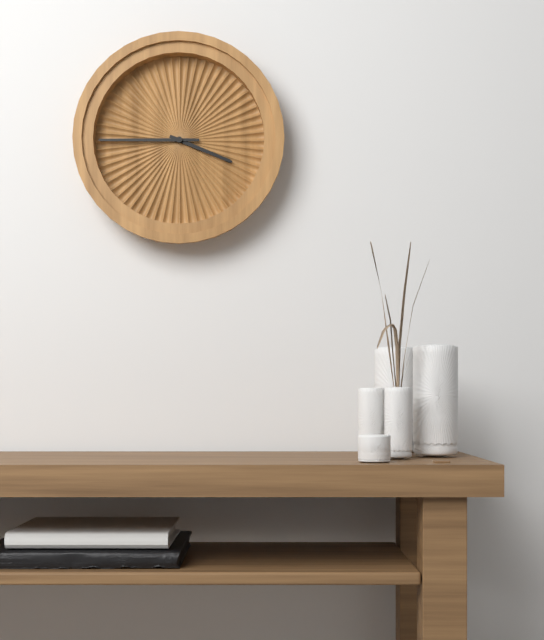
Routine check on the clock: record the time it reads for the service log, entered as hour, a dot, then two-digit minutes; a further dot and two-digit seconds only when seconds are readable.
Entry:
3.45
